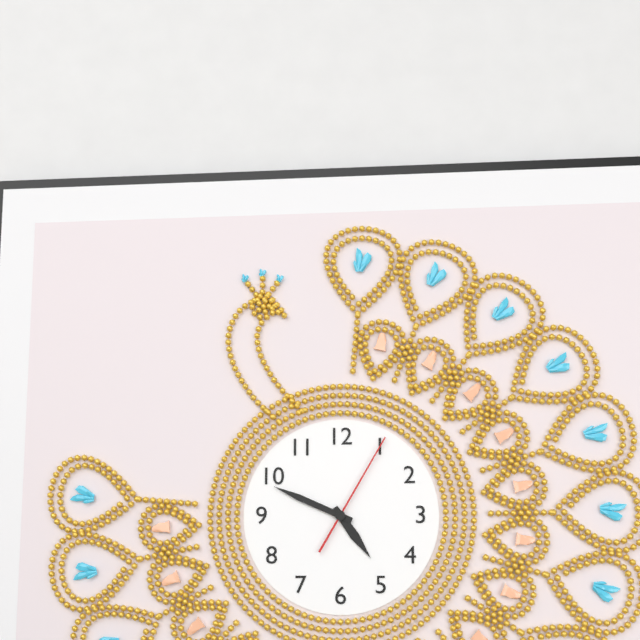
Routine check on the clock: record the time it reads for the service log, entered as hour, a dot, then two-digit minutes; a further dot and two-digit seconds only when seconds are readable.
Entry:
4.49.05
